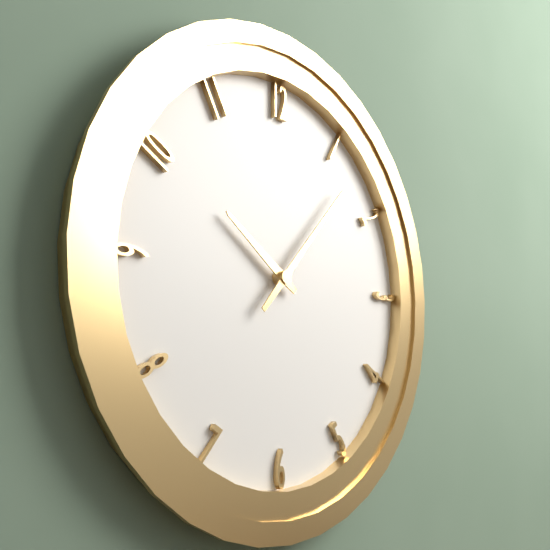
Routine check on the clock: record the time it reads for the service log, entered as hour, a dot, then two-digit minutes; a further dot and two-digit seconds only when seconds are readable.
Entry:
10.07
